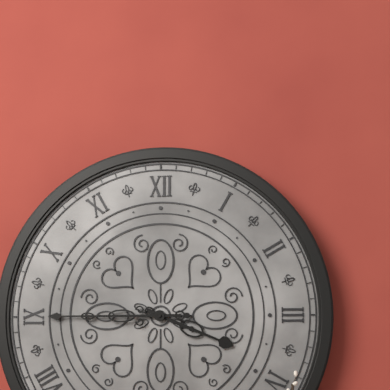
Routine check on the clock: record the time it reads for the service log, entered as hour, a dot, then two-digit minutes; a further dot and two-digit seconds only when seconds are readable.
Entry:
3.45
